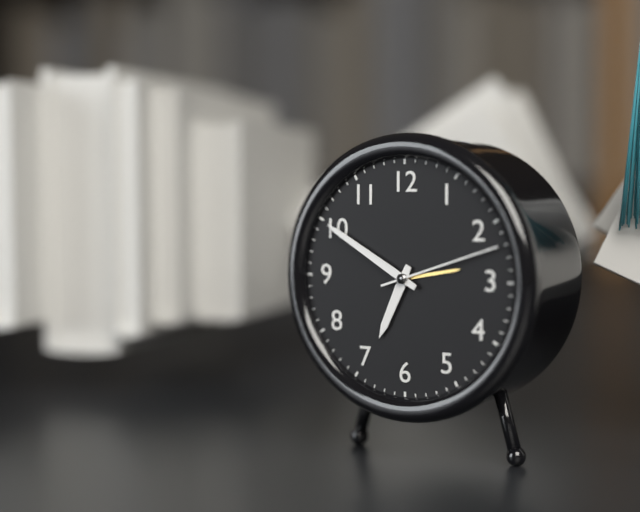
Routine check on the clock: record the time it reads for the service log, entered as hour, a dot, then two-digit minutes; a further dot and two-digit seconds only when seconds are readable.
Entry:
6.50.12
